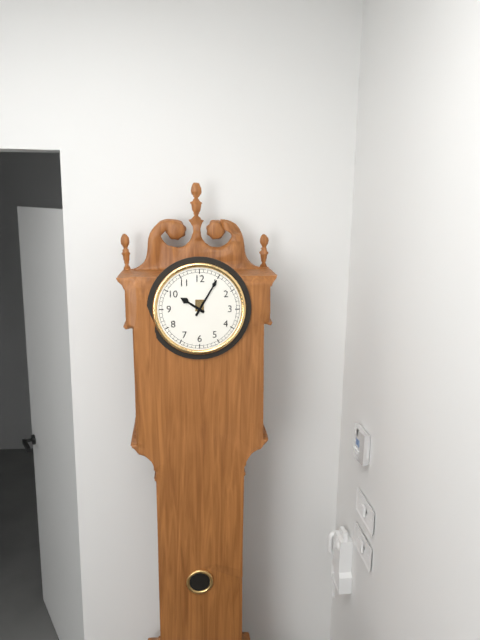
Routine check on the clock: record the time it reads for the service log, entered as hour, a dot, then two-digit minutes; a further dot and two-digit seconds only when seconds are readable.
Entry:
10.05
